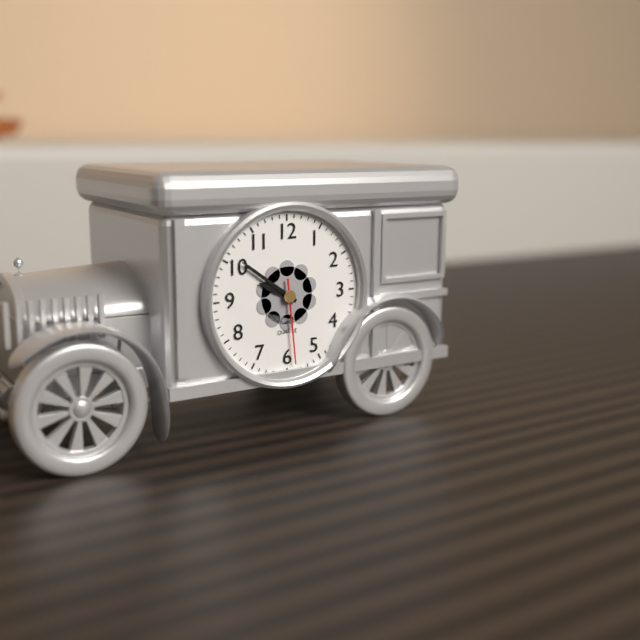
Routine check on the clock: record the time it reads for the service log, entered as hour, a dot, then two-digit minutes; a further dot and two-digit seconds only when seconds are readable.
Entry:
9.51.29
